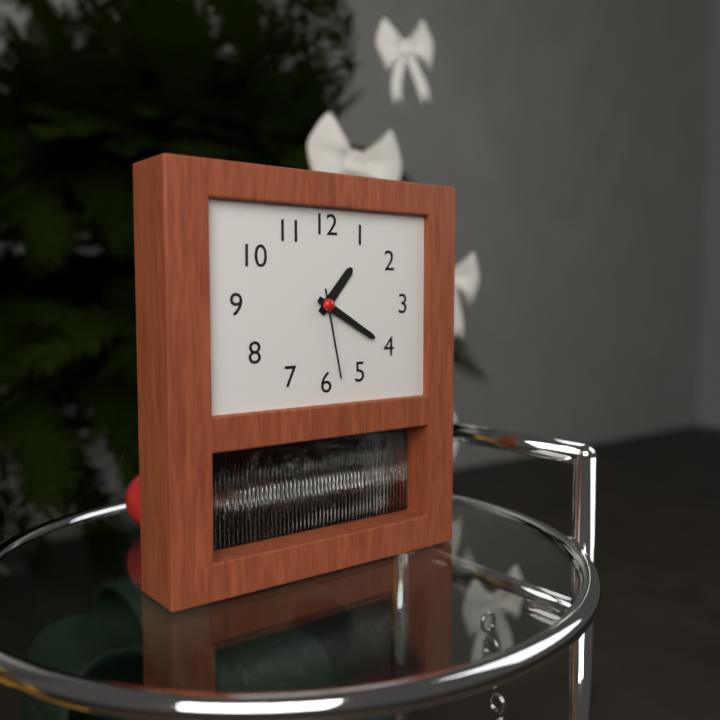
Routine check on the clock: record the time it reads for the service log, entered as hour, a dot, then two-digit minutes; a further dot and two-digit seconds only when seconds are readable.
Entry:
1.20.28
